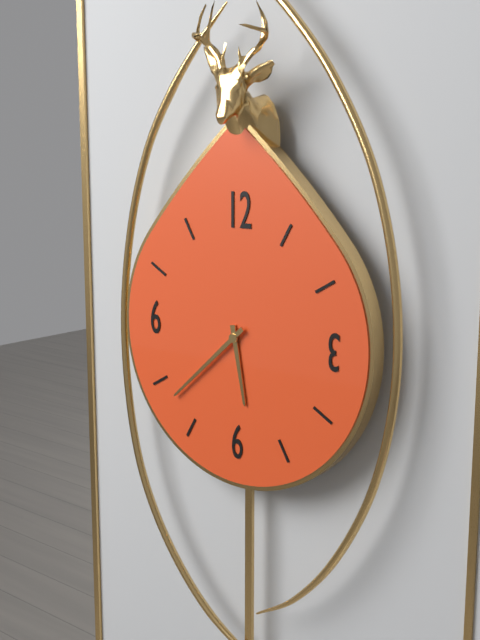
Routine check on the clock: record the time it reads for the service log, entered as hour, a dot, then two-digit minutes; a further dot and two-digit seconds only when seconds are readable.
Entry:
5.38
